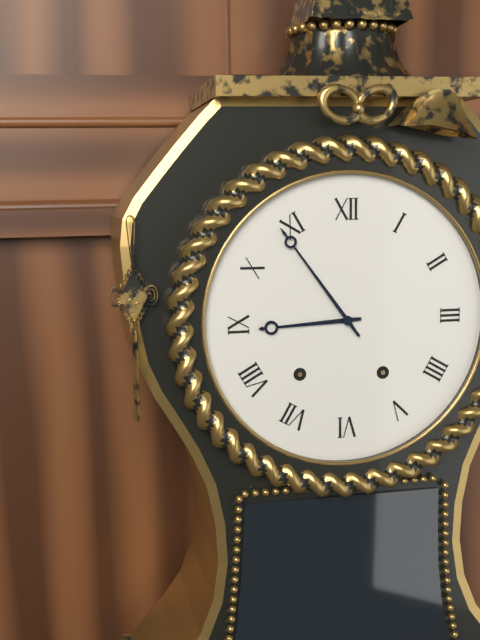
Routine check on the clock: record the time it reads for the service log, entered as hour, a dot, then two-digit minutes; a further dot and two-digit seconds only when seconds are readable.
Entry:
8.54
